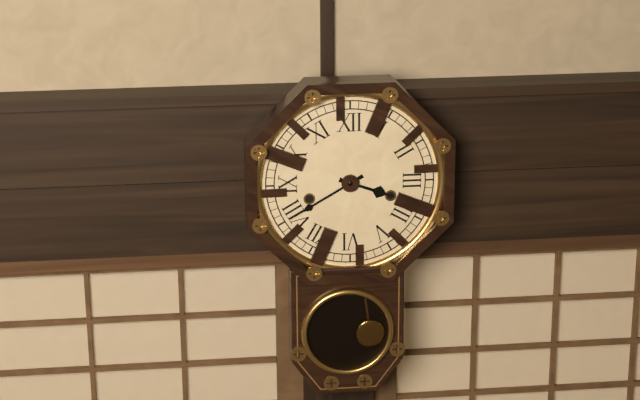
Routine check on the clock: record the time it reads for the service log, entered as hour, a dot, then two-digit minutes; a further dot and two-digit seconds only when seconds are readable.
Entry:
3.40
